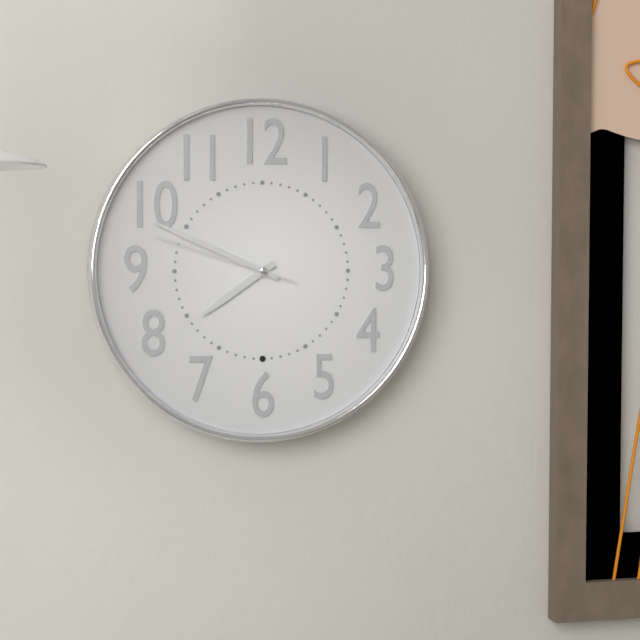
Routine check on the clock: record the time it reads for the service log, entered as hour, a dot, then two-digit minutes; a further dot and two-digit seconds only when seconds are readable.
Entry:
7.49.48
